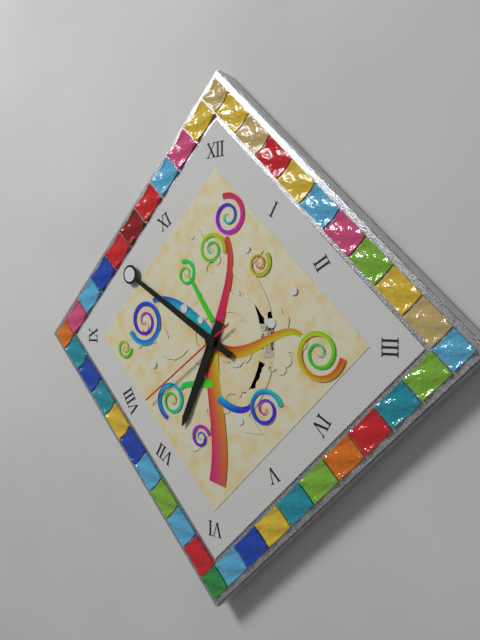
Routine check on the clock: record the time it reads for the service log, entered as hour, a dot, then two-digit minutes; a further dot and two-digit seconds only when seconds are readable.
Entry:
6.50.39
